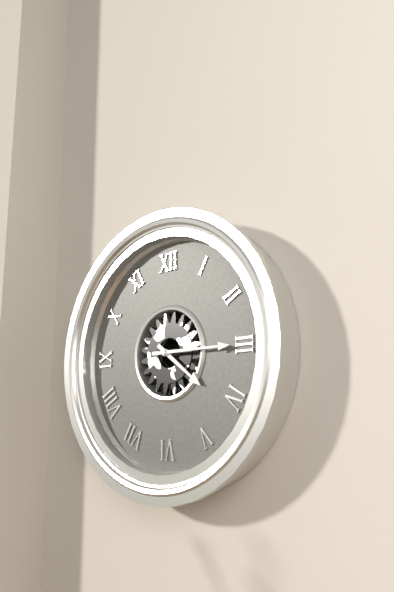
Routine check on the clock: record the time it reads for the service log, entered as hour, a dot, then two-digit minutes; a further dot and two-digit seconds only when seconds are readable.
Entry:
4.15
